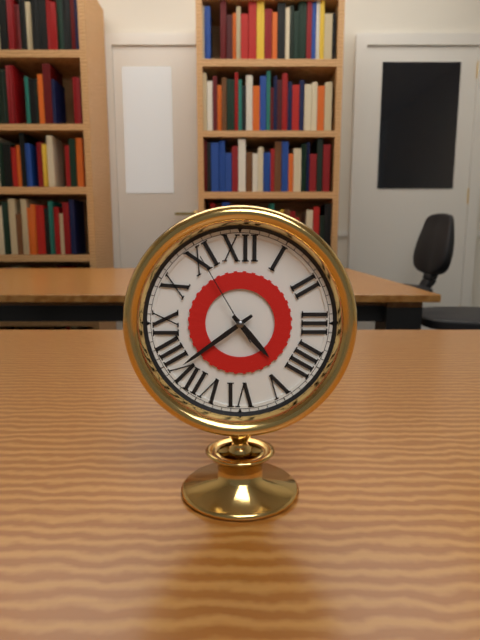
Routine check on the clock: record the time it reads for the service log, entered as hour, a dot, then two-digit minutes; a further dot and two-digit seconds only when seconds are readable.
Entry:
4.39.55
